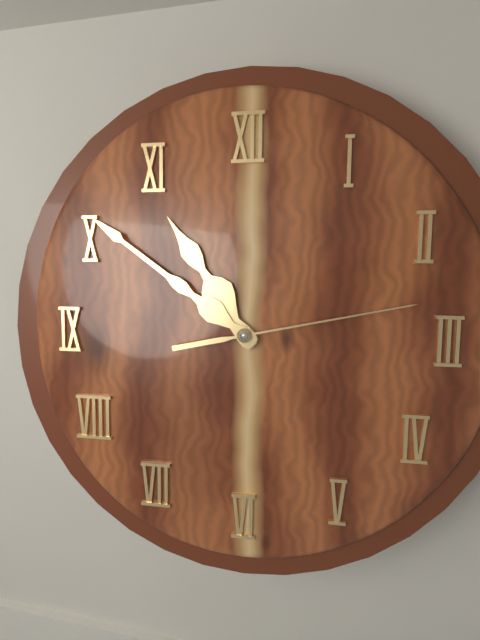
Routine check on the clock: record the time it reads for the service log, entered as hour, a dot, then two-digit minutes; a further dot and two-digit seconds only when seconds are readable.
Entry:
10.51.13
